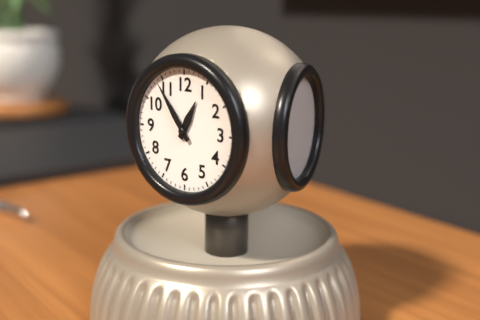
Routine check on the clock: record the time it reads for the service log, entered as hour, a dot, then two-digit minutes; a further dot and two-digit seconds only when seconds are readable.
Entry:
12.54
